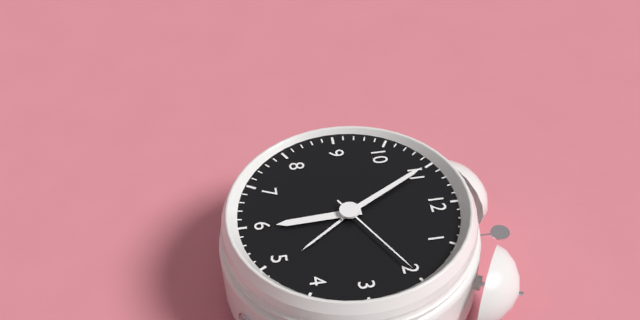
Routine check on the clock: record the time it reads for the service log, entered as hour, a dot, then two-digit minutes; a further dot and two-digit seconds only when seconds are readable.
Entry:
5.55.10
